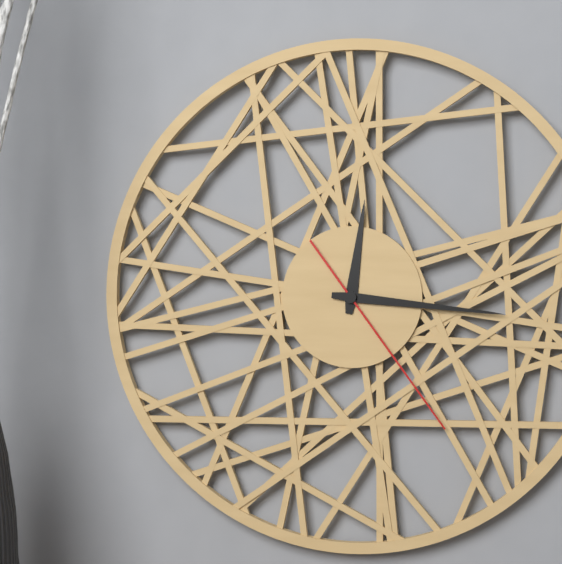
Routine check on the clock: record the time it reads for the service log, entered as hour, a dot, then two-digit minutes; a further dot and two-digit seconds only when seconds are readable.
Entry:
12.16.24
